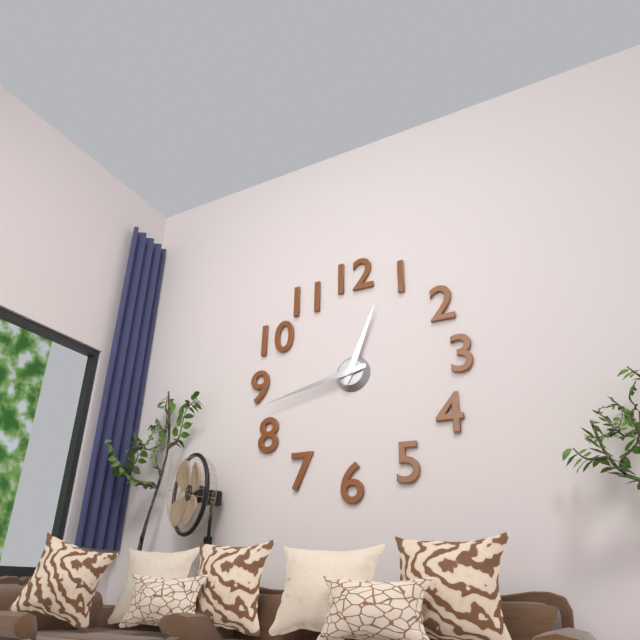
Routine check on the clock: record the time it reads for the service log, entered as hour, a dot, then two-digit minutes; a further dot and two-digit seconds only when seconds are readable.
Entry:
12.43
